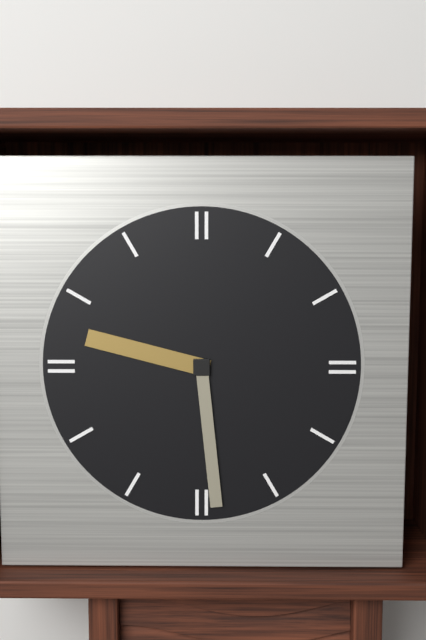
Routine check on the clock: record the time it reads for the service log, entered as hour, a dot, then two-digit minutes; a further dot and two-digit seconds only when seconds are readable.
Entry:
9.29
